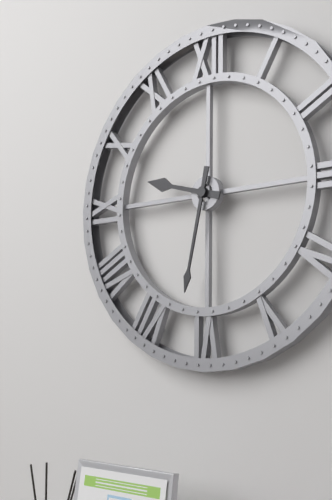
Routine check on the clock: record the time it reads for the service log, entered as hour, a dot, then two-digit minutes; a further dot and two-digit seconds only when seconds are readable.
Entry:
9.32
